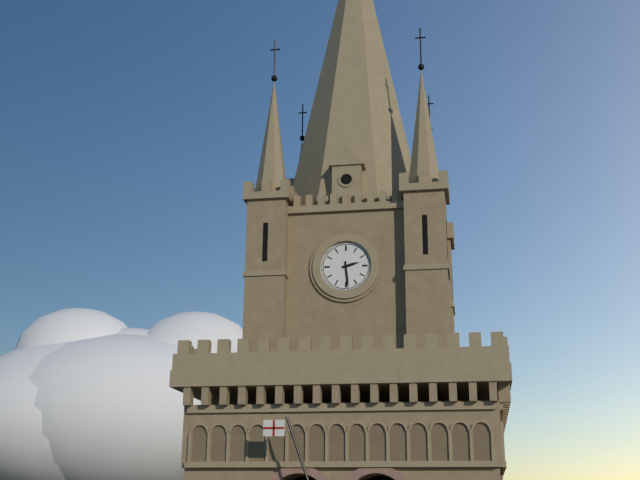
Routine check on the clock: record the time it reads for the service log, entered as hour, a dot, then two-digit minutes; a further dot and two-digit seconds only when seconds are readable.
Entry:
2.29
